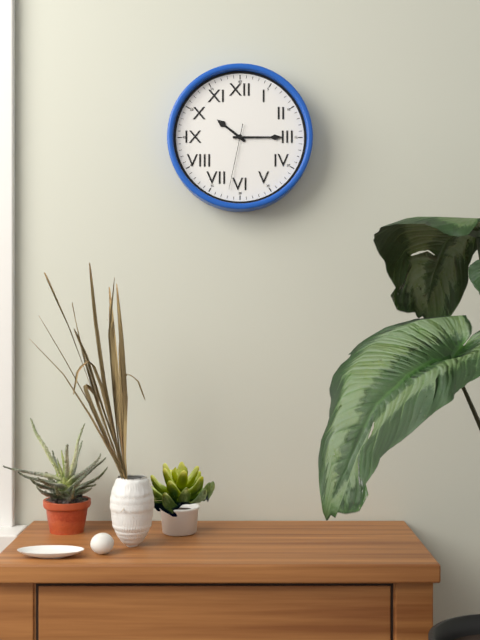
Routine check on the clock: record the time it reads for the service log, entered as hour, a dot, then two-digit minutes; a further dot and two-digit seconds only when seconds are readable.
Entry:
10.15.32
